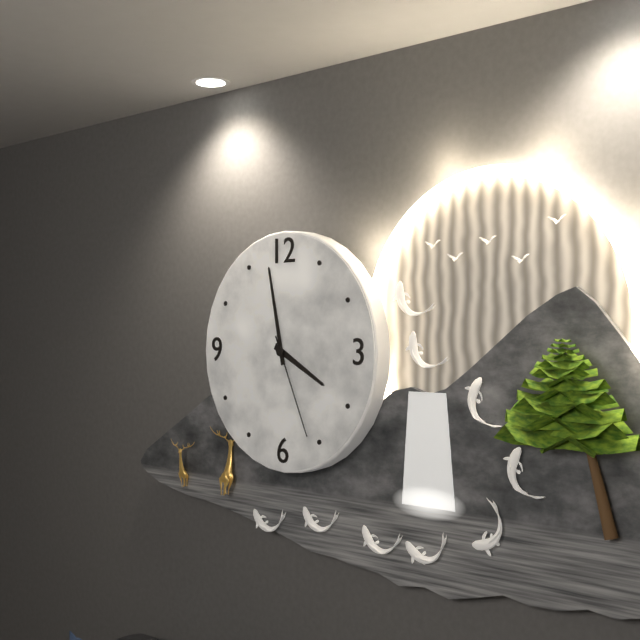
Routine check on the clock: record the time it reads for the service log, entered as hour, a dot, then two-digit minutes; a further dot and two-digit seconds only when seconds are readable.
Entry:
3.58.26
